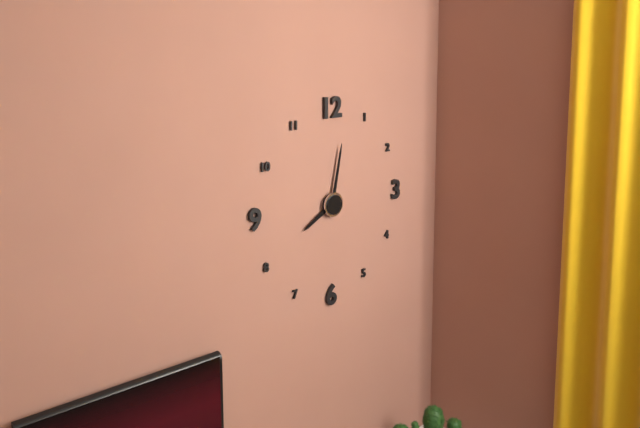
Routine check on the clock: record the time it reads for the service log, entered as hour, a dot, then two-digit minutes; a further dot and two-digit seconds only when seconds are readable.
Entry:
8.02
